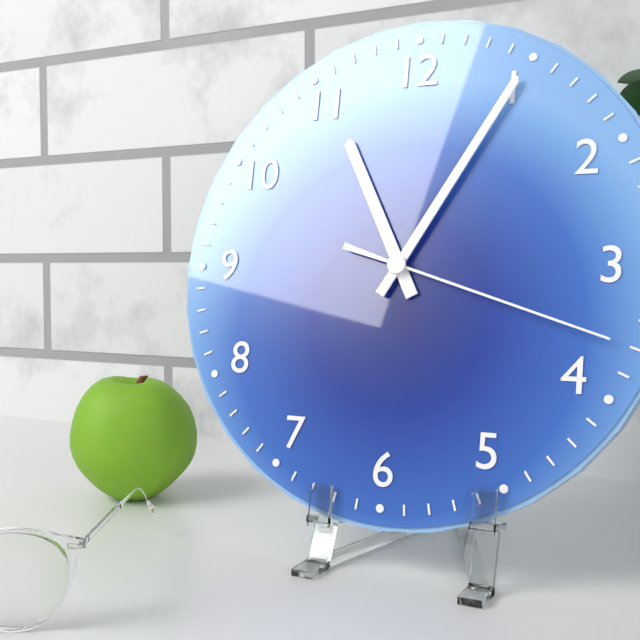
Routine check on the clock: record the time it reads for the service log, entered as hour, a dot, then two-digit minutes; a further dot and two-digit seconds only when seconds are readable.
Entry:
11.05.18
